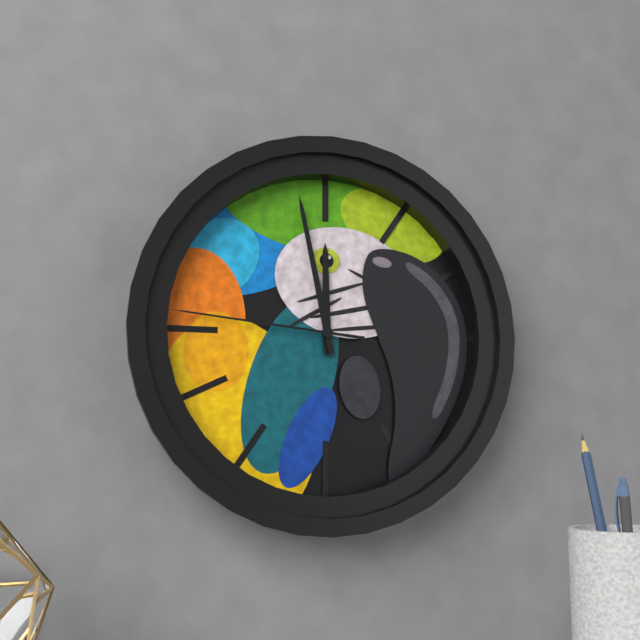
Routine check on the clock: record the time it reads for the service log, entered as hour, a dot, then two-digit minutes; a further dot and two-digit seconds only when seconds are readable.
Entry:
11.58.46
